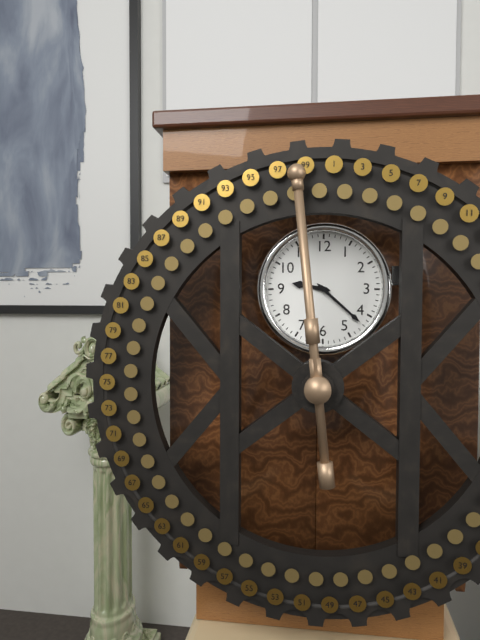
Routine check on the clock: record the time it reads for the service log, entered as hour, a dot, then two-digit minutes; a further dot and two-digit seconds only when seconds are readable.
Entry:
9.22
